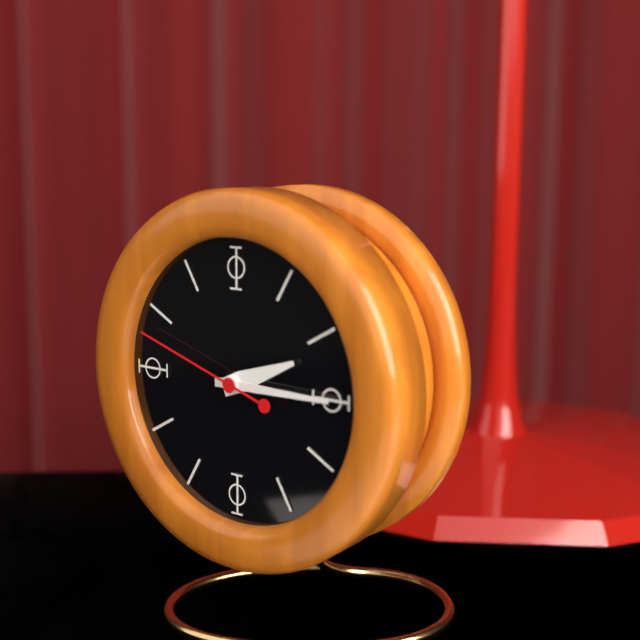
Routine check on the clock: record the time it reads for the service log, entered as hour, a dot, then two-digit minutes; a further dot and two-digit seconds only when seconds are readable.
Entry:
2.15.48
